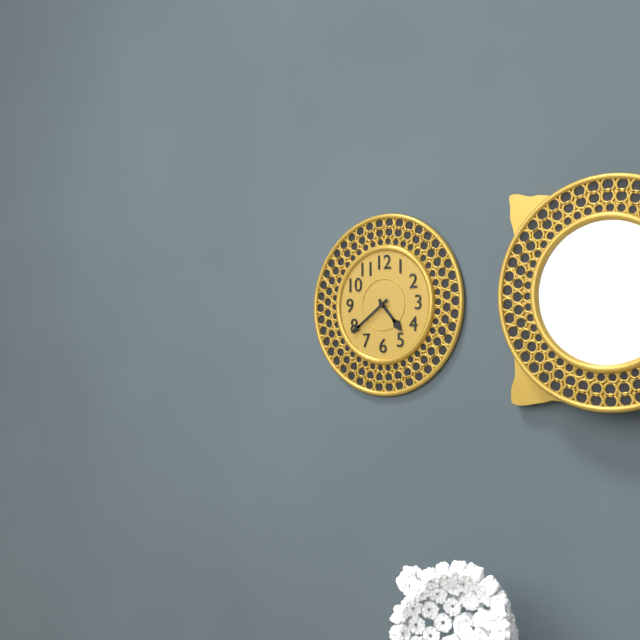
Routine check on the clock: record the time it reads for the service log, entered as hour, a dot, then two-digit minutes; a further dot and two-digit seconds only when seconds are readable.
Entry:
4.39
